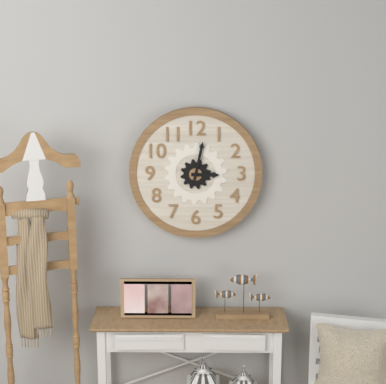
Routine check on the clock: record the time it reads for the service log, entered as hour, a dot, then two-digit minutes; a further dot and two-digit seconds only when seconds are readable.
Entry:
3.02
